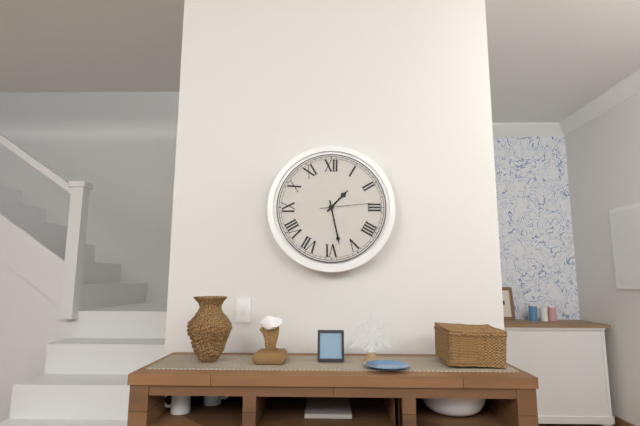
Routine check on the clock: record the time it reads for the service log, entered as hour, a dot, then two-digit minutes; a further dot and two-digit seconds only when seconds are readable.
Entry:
1.28.14
